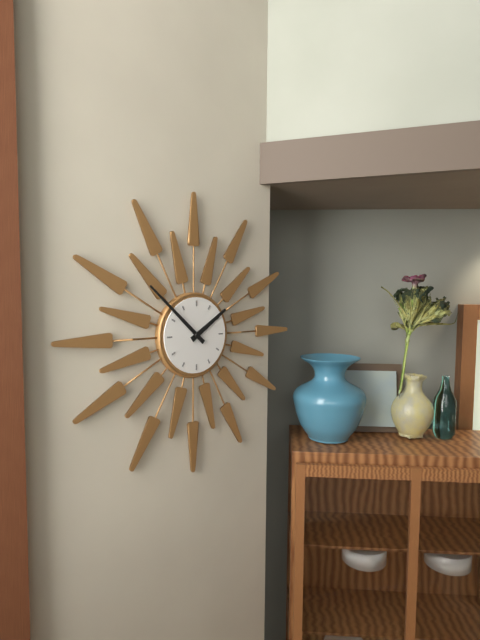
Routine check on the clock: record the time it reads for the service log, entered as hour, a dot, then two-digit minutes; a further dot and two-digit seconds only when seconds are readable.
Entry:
1.52
